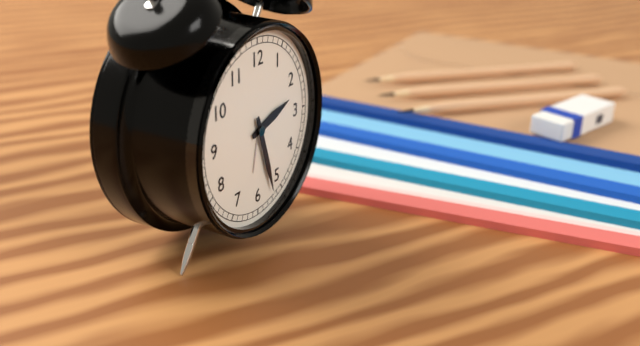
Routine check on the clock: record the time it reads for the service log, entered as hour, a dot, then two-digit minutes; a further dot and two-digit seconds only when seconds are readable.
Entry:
2.27
